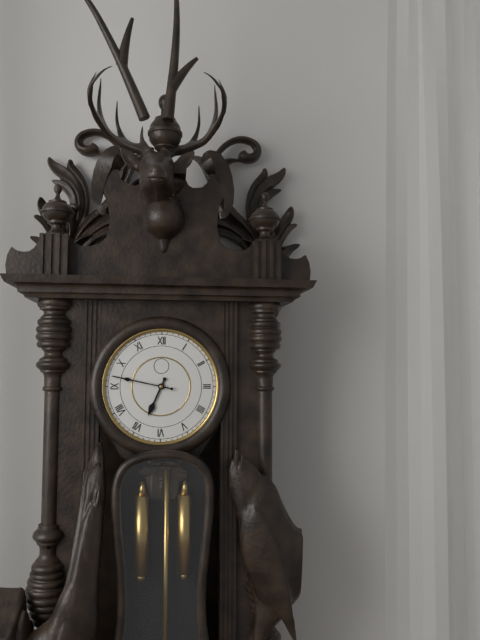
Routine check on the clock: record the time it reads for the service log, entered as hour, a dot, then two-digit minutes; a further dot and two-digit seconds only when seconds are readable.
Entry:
6.47
